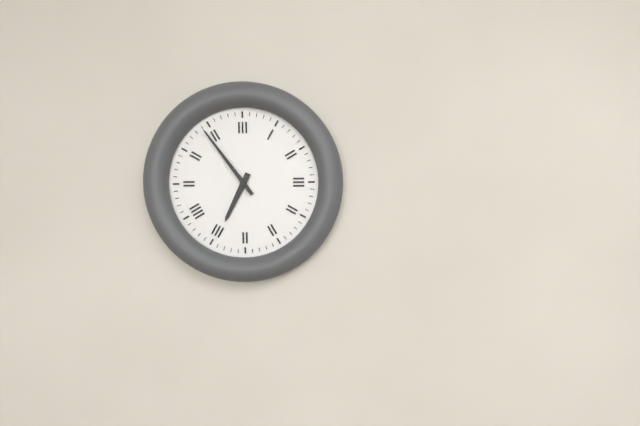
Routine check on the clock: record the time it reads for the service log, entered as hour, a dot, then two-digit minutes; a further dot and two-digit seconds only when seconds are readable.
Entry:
6.54
